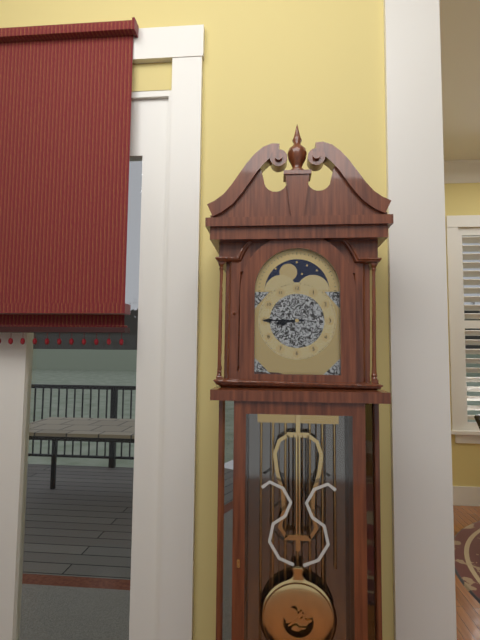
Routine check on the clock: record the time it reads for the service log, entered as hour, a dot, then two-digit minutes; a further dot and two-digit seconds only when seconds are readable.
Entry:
8.45
